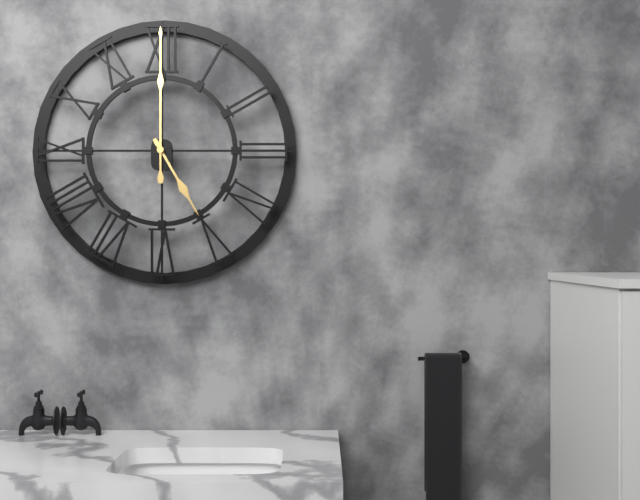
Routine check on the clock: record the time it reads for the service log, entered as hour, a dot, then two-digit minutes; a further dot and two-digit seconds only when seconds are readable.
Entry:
5.00
